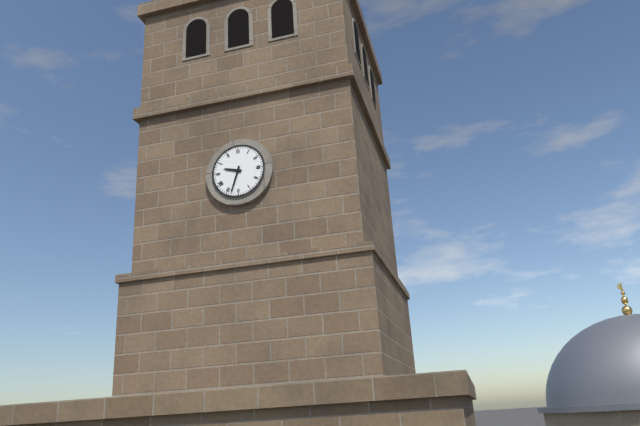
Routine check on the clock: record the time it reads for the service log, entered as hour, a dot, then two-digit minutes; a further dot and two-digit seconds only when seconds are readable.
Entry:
9.33
